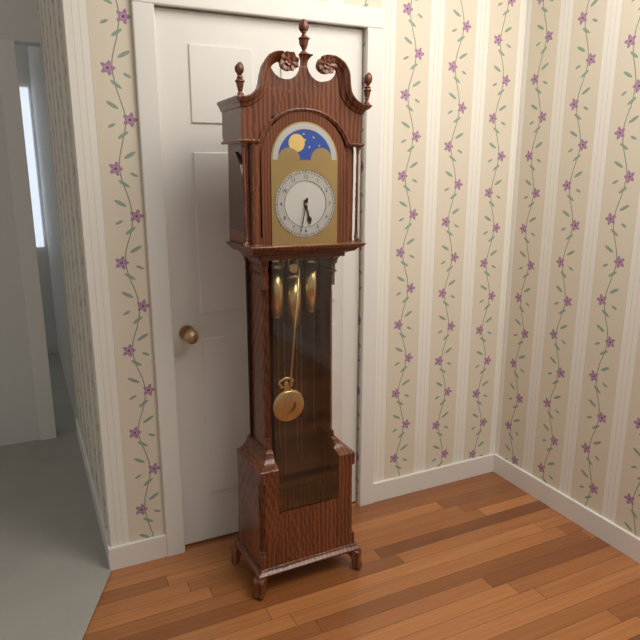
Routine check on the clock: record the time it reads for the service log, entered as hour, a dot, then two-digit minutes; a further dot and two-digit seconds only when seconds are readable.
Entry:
5.32
